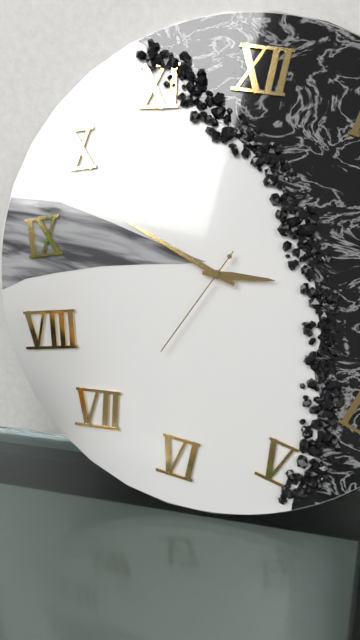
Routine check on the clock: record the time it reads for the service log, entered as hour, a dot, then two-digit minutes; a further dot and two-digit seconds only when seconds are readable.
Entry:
2.48.34
